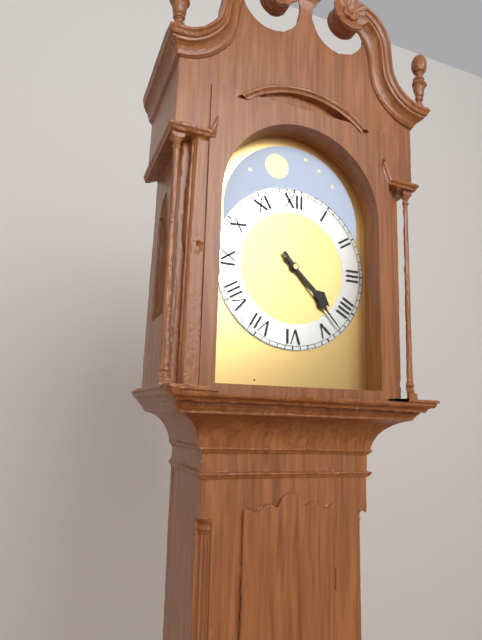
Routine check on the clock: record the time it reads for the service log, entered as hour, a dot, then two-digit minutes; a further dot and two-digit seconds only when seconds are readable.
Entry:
4.23
